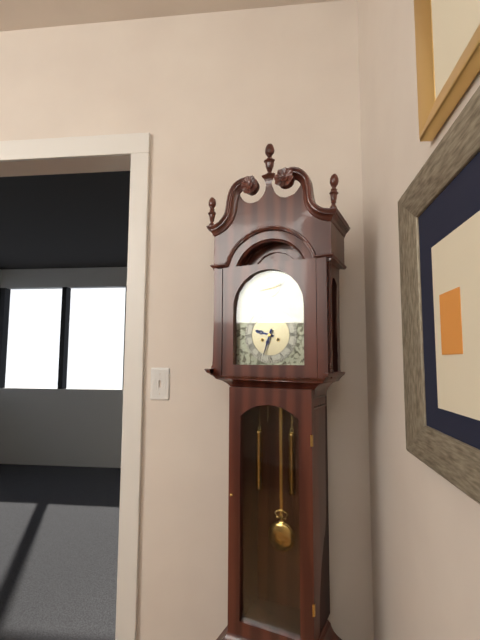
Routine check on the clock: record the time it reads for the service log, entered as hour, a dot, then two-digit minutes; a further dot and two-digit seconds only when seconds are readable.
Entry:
9.33
